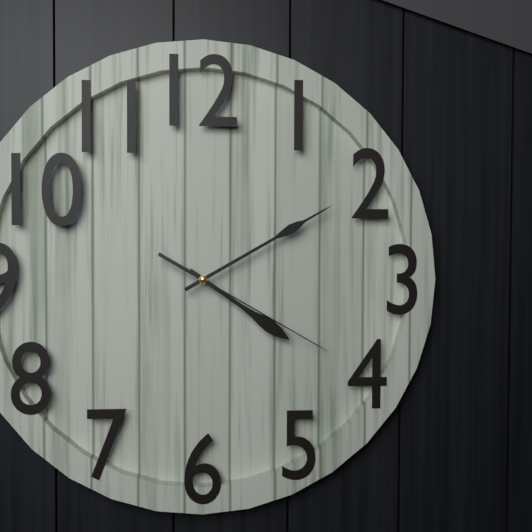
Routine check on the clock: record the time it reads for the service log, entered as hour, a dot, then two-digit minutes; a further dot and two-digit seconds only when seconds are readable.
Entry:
4.10.20
